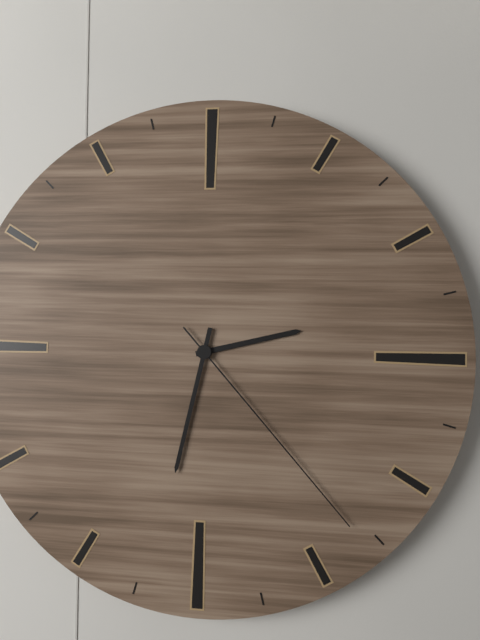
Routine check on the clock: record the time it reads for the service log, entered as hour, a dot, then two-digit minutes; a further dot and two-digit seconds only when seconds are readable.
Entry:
2.32.23
